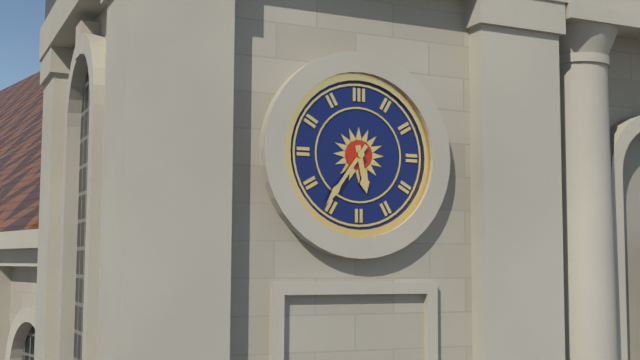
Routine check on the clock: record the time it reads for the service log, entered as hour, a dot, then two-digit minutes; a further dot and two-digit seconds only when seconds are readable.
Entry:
5.36
